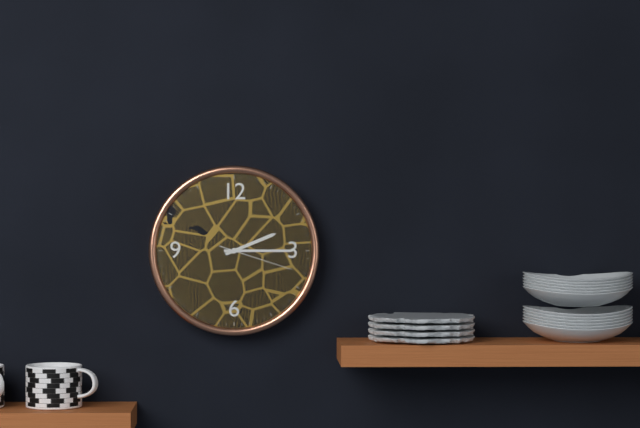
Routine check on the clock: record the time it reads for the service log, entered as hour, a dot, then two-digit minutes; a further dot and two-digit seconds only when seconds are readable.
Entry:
2.15.18
